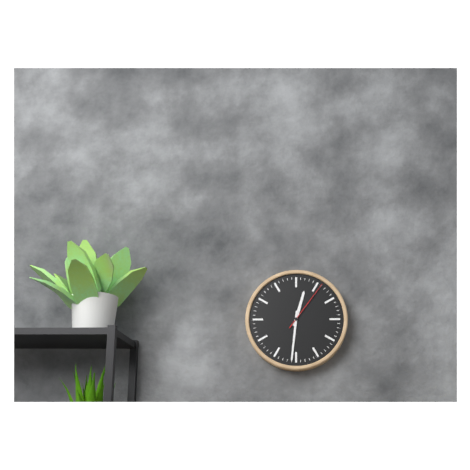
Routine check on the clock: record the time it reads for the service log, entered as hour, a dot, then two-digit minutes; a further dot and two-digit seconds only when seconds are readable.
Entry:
12.31.06
